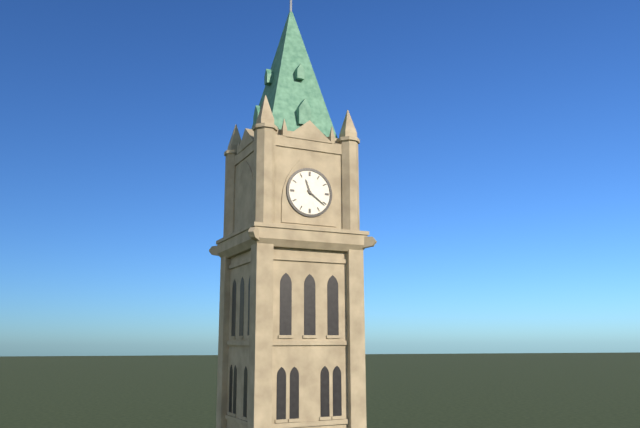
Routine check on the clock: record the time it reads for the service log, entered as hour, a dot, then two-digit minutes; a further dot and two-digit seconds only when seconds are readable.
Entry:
11.21
